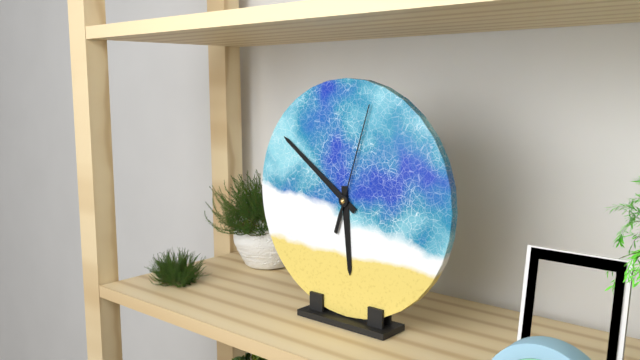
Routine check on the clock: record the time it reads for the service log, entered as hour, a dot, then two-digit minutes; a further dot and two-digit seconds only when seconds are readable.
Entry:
5.51.03
